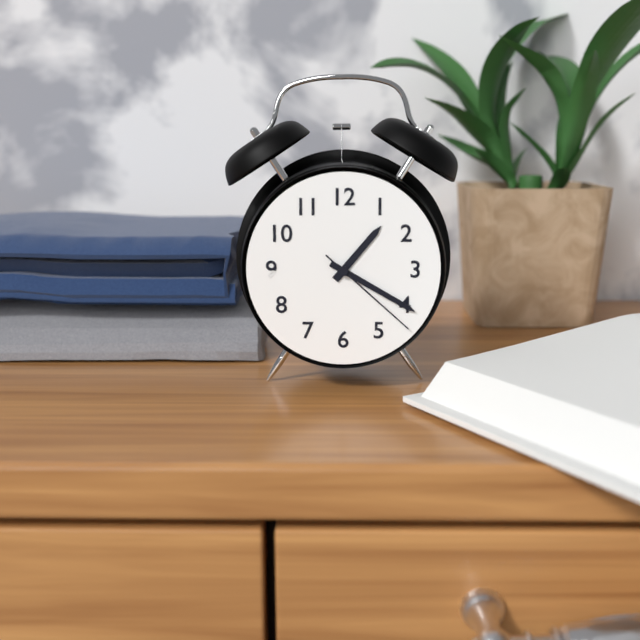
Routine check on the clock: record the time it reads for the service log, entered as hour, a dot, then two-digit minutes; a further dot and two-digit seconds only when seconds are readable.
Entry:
1.20.22
